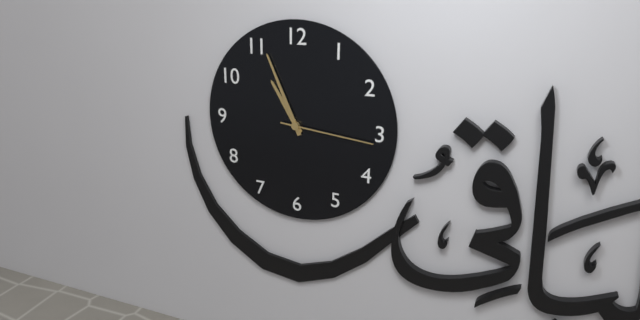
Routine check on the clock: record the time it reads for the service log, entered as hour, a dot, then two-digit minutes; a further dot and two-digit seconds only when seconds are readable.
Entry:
10.56.16
